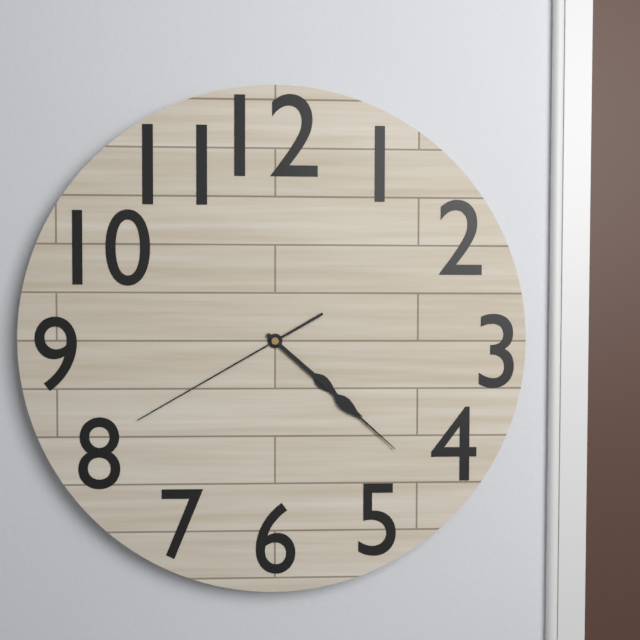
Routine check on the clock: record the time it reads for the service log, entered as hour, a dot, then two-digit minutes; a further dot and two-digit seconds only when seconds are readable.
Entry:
4.22.40
